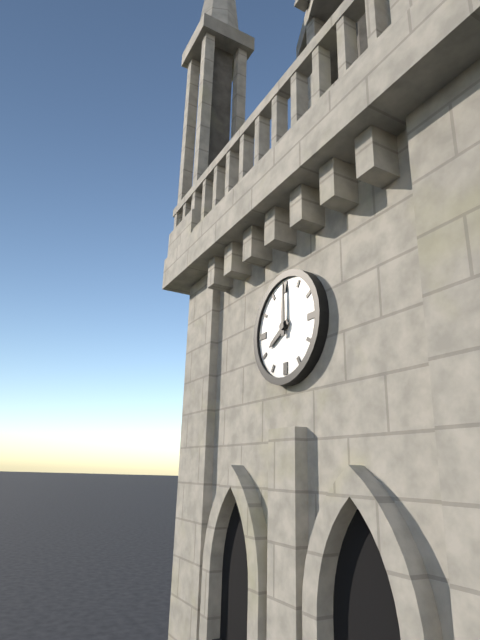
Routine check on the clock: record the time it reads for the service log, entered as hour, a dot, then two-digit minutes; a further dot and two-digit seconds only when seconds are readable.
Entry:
8.00
